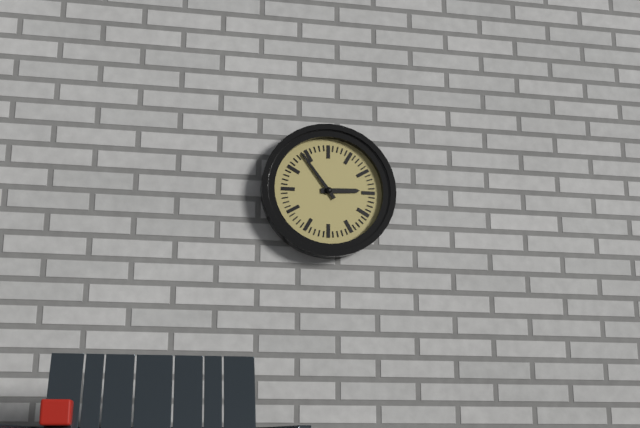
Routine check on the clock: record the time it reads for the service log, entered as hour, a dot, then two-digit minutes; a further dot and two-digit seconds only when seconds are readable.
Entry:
2.54
